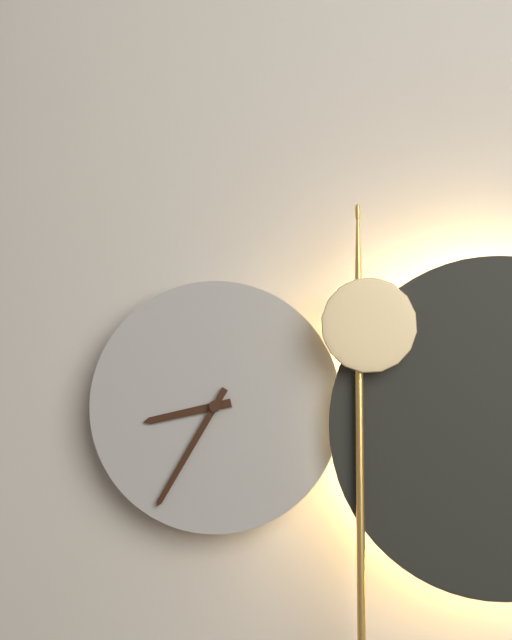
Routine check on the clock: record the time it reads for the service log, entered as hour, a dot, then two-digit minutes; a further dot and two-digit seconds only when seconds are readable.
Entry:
8.35
